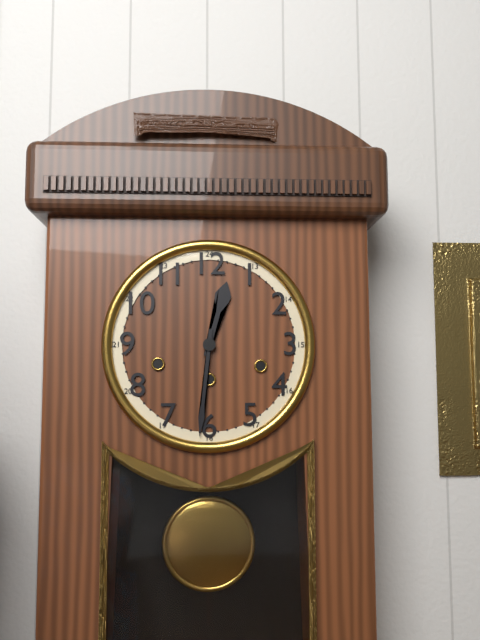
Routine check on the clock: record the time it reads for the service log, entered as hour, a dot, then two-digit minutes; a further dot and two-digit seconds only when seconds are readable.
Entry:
12.31
